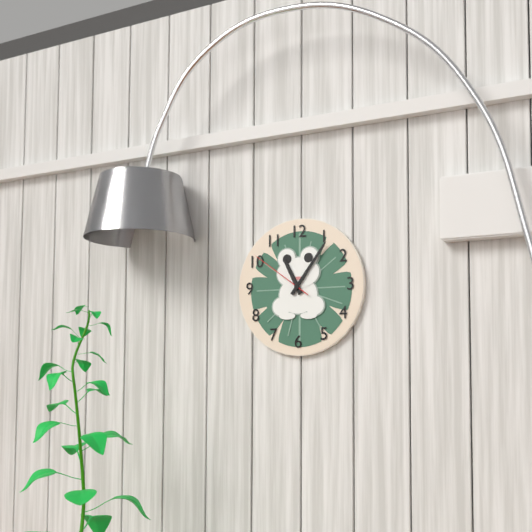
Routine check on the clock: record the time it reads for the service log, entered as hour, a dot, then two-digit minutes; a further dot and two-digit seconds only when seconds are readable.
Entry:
11.06.51
